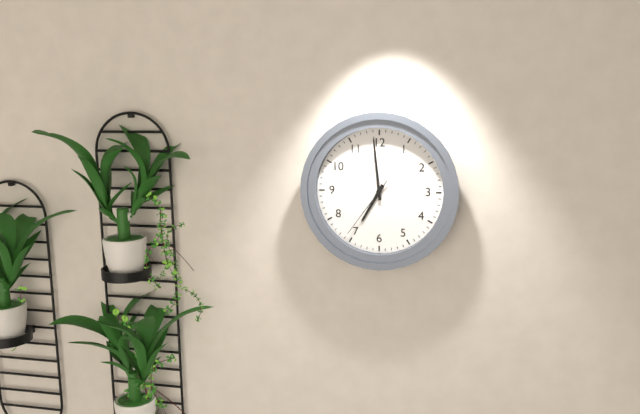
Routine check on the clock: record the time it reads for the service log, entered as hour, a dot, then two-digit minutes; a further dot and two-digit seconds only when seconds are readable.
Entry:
6.59.36
